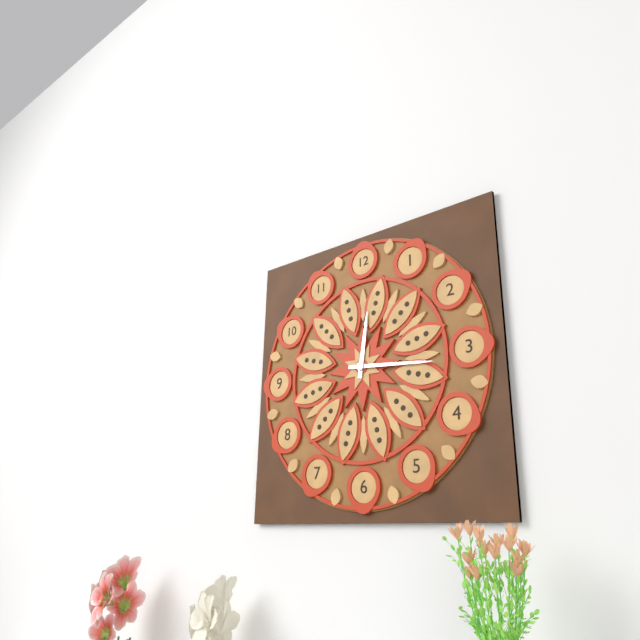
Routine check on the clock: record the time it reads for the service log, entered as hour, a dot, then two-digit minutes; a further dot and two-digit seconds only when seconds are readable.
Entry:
12.16
